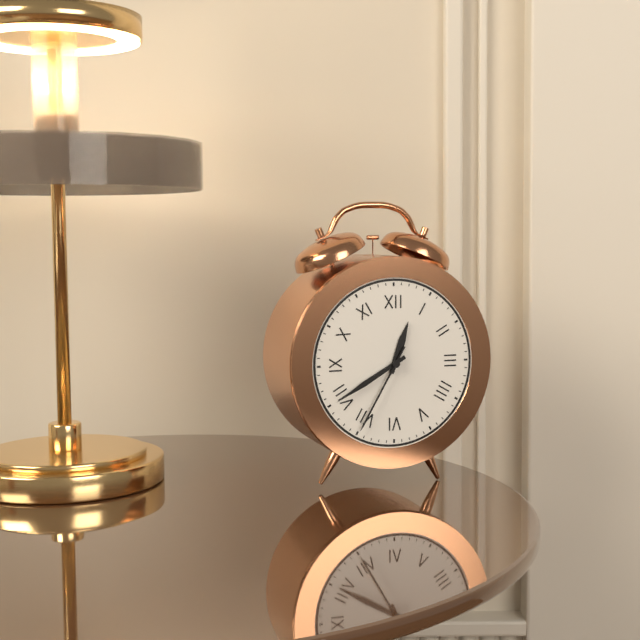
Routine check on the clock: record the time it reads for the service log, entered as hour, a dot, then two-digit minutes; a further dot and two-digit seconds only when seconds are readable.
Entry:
12.40.35
